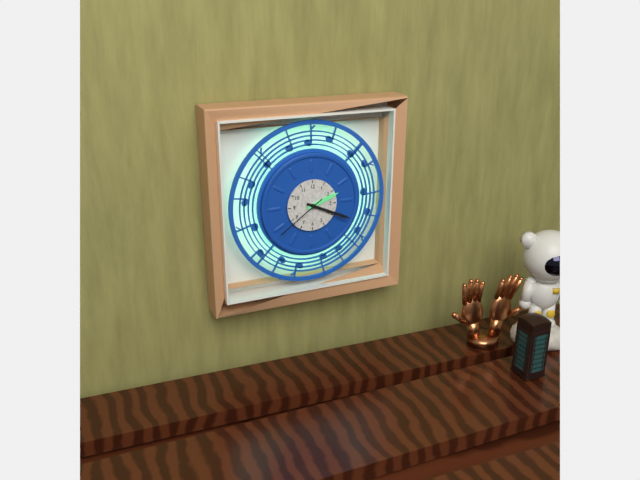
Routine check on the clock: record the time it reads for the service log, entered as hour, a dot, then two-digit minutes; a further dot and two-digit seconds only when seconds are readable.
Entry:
2.19.39
